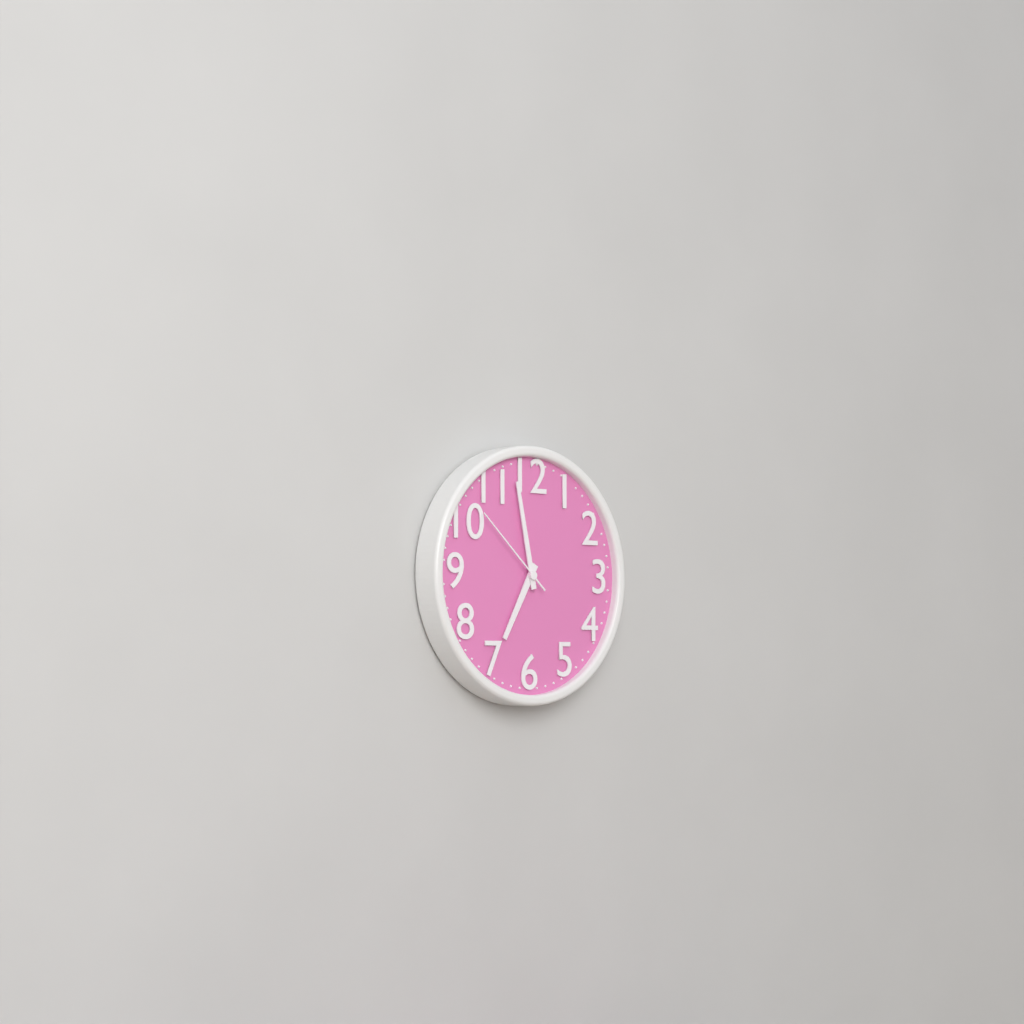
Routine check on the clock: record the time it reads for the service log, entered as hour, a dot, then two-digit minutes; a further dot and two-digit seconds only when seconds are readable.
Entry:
6.58.52
